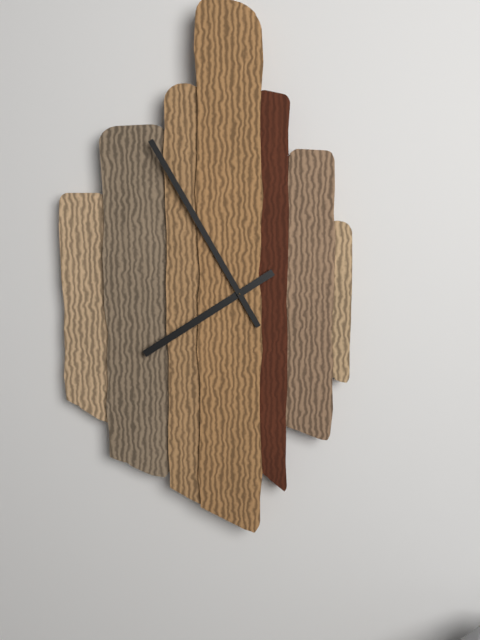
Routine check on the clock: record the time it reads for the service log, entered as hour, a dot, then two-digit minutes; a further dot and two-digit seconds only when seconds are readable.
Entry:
7.55
